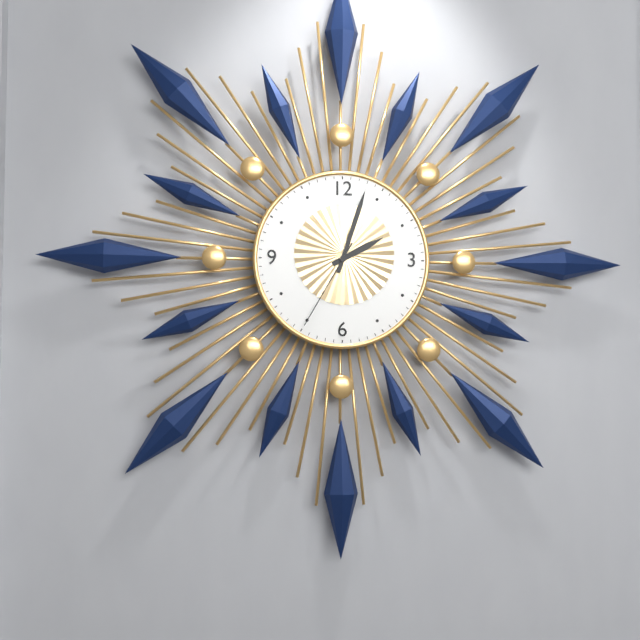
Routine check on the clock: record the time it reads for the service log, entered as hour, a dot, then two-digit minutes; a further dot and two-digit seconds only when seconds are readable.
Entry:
2.03.35
